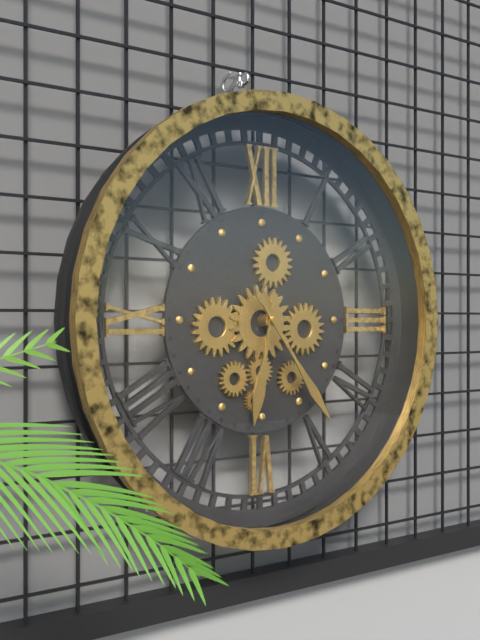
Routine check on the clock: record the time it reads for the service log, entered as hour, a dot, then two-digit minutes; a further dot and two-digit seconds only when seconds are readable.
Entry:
6.24
